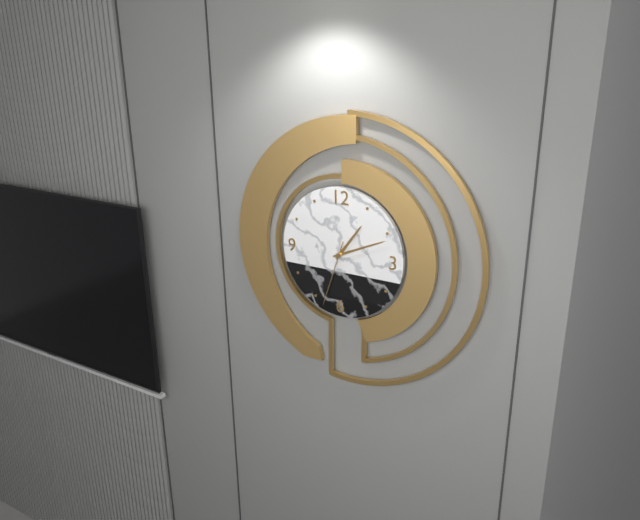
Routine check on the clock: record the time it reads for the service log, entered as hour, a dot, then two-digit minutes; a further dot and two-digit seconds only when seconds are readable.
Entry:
1.11.33
